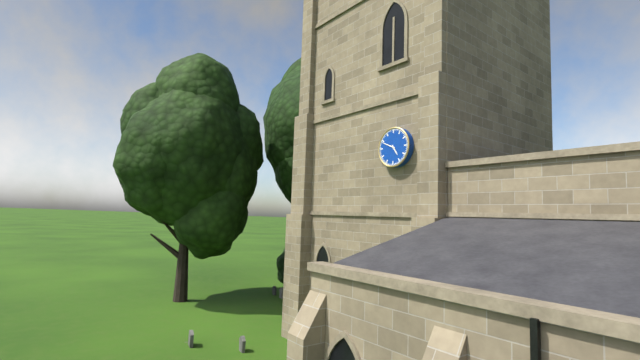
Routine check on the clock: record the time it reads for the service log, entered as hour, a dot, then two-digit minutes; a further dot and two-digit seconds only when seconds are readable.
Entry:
4.49
